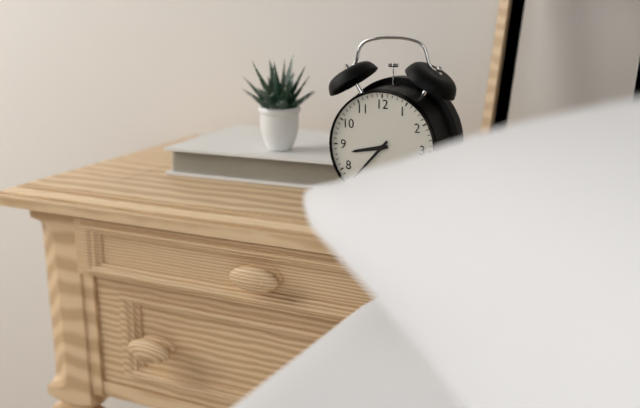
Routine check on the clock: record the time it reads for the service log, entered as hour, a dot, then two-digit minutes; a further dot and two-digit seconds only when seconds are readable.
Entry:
8.37
